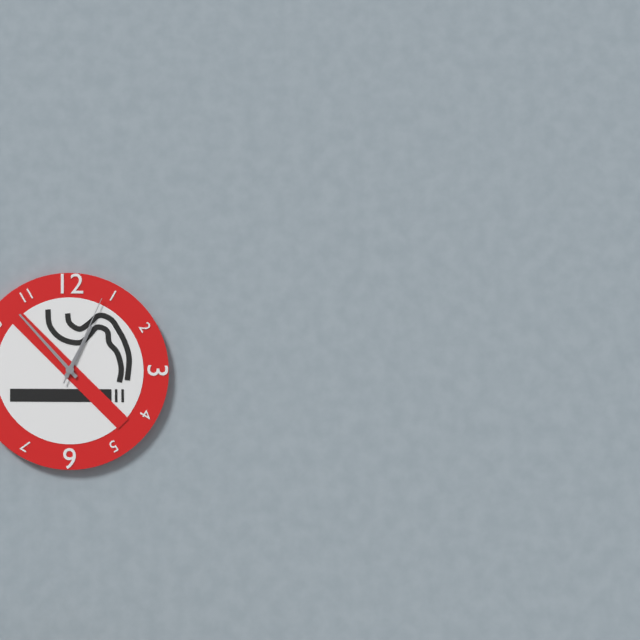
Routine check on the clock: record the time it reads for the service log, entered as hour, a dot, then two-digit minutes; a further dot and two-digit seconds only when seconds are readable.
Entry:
12.53.04
